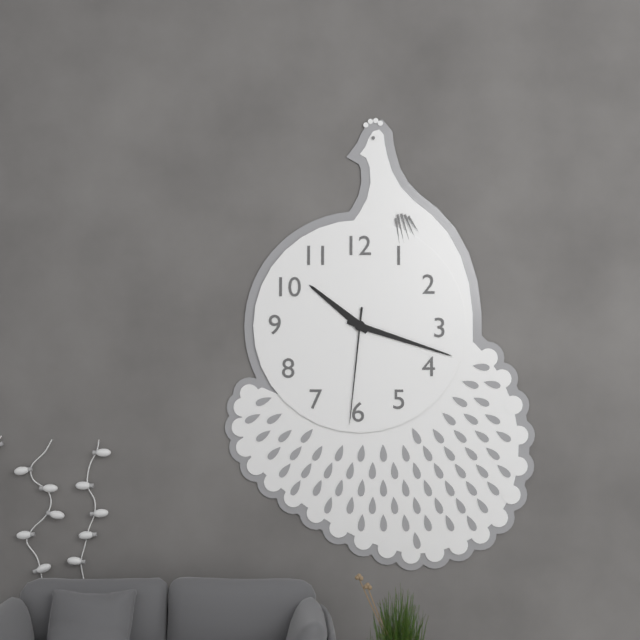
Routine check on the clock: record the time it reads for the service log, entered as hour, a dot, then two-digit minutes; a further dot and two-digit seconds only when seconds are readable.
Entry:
10.18.31
